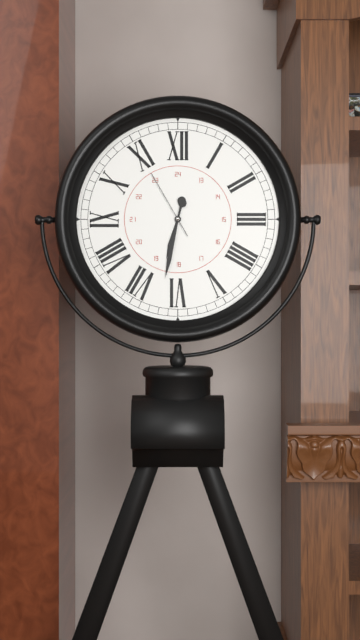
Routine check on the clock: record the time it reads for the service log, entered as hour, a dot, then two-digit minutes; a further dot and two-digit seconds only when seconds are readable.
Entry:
6.32.55
